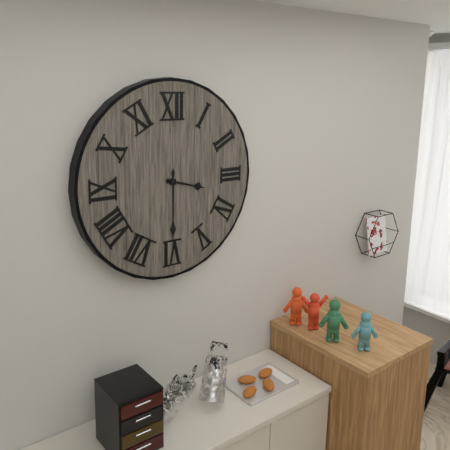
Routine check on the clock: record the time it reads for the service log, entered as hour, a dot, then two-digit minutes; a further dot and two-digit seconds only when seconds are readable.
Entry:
3.30
